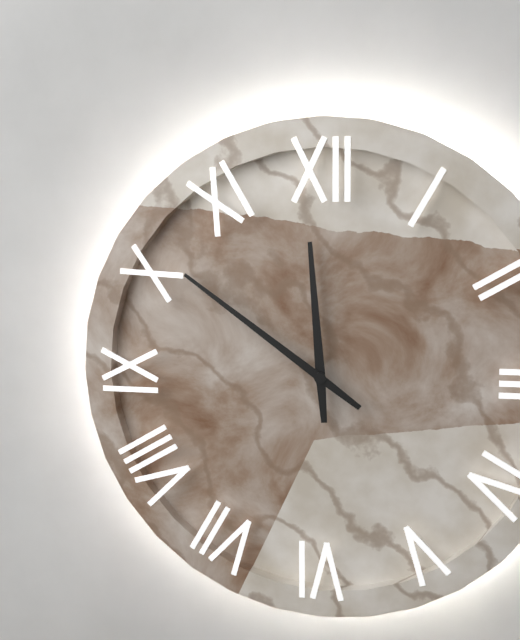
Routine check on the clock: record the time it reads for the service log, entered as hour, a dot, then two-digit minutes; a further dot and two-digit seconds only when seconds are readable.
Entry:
11.51
